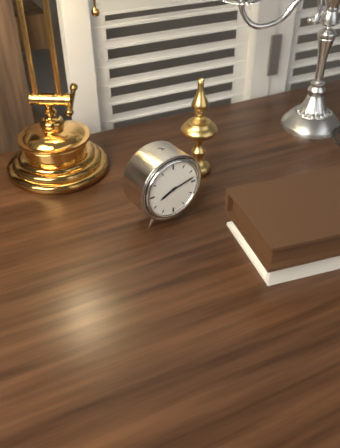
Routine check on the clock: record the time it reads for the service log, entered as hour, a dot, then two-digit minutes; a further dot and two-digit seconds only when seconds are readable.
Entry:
8.13
